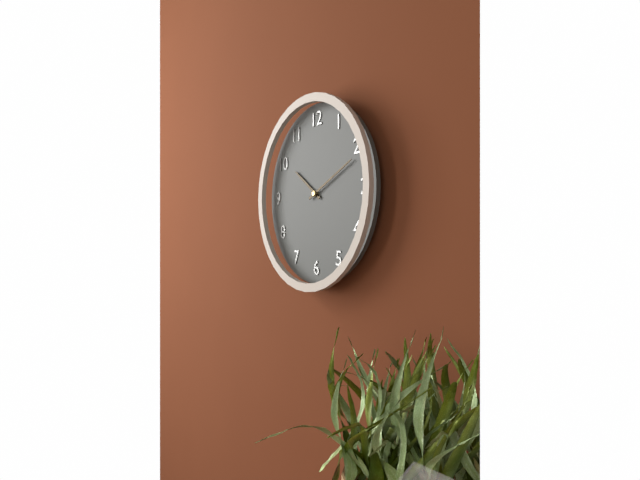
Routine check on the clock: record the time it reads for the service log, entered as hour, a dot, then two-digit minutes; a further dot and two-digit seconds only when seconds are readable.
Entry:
10.11
